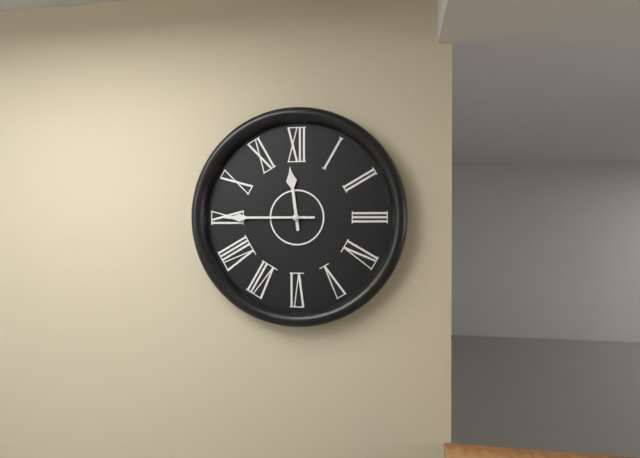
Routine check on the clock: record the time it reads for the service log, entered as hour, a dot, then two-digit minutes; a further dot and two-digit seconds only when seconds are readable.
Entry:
11.45
